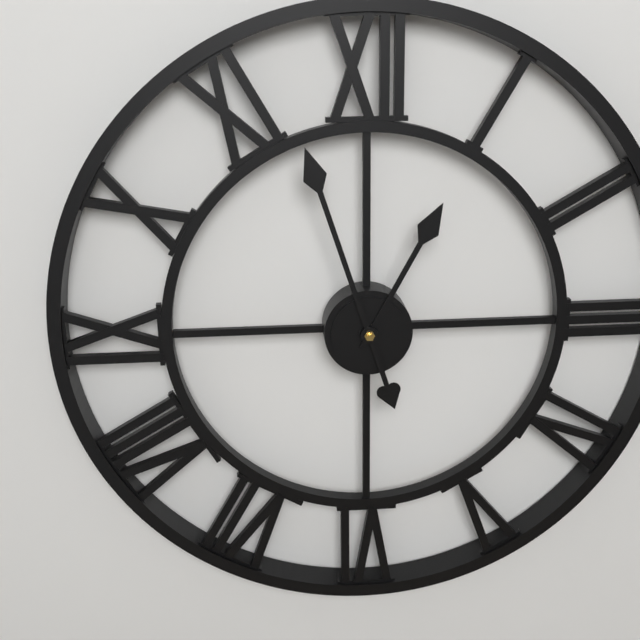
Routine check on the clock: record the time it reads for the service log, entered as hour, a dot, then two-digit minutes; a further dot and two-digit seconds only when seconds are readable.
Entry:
12.57
